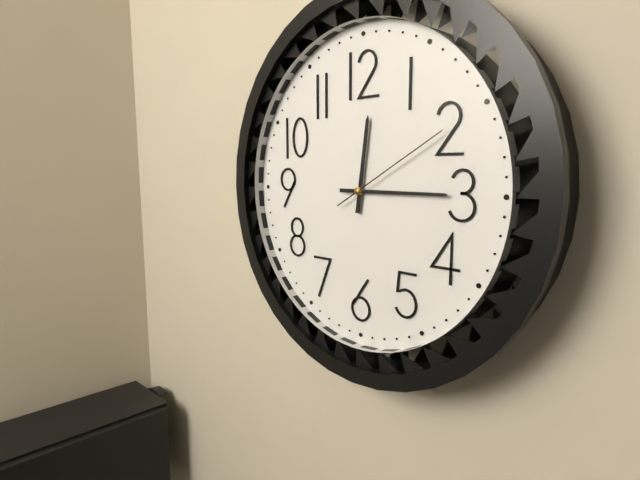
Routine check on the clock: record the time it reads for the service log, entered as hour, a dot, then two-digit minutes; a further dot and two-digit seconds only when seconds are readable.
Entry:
12.15.10
